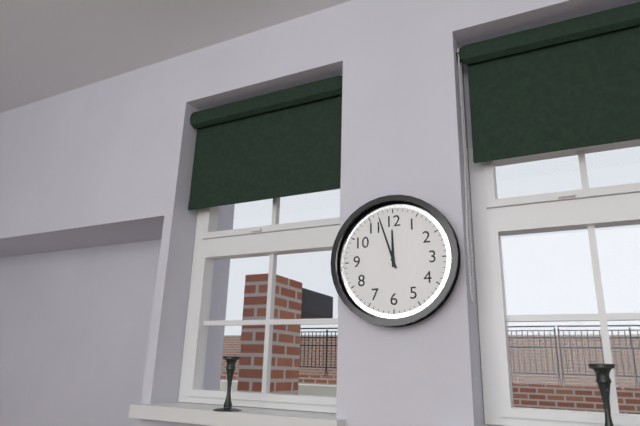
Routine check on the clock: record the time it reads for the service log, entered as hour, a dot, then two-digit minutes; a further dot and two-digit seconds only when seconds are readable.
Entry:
11.57
